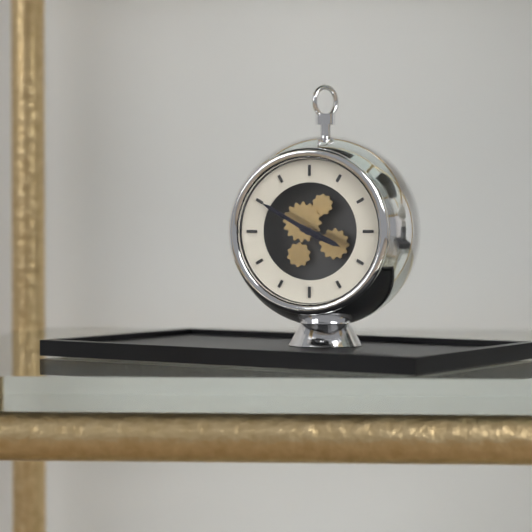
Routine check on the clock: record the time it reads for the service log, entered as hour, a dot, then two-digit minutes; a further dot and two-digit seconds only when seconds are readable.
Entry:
3.50
